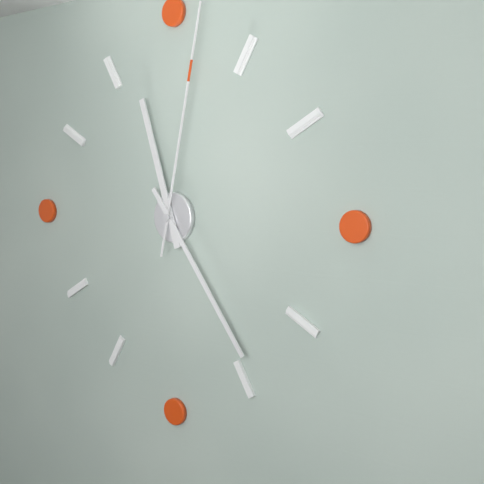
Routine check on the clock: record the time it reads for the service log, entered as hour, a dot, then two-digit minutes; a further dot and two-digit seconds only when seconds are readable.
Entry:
11.24.02
